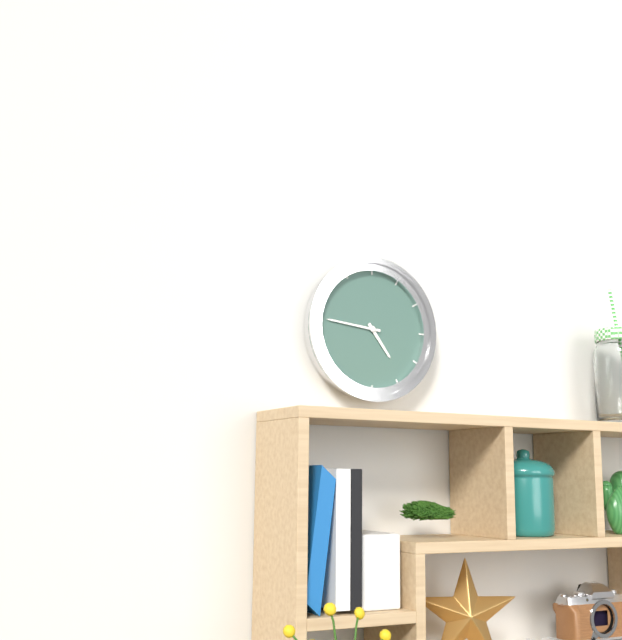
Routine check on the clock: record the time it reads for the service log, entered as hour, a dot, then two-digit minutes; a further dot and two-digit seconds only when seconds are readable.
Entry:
4.46
